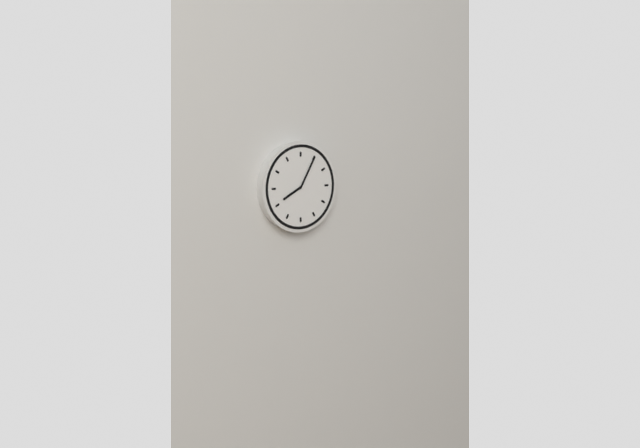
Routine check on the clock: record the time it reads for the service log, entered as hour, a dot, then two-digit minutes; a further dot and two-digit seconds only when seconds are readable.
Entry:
8.05
